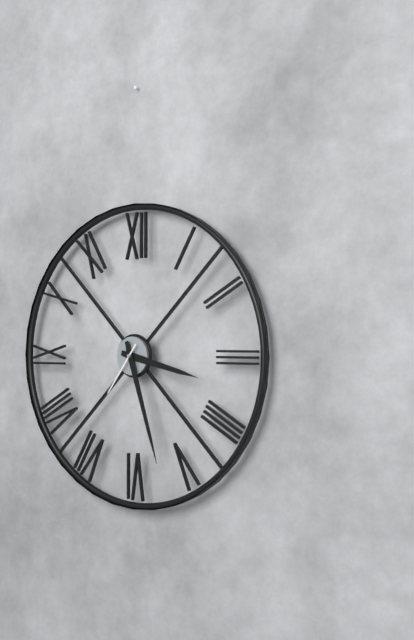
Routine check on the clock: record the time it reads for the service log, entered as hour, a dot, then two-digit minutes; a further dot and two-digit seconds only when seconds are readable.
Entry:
3.27.36
